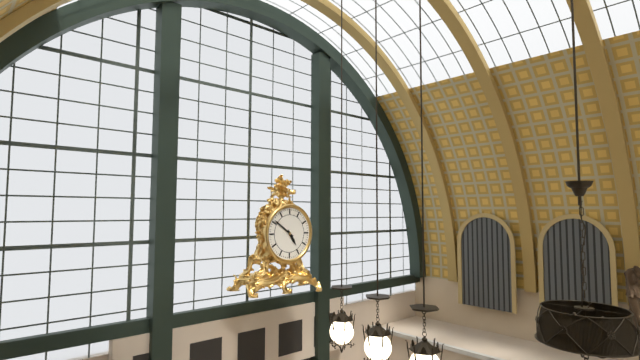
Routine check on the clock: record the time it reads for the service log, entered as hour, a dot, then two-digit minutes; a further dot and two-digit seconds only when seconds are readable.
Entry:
4.51
